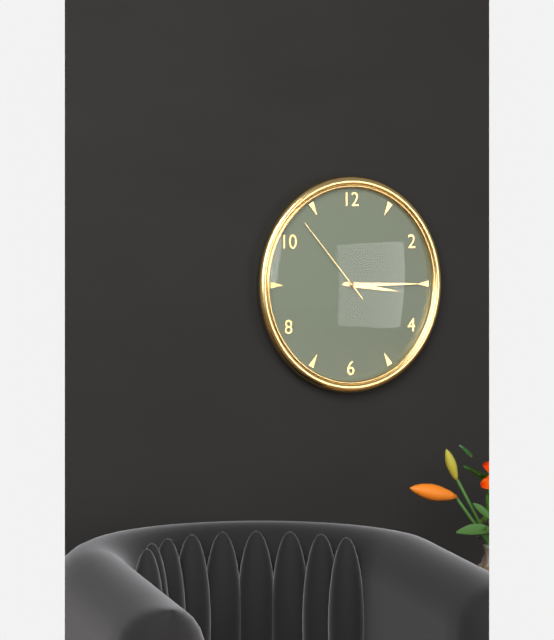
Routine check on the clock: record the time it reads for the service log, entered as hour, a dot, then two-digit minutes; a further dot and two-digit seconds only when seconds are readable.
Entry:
3.15.53
